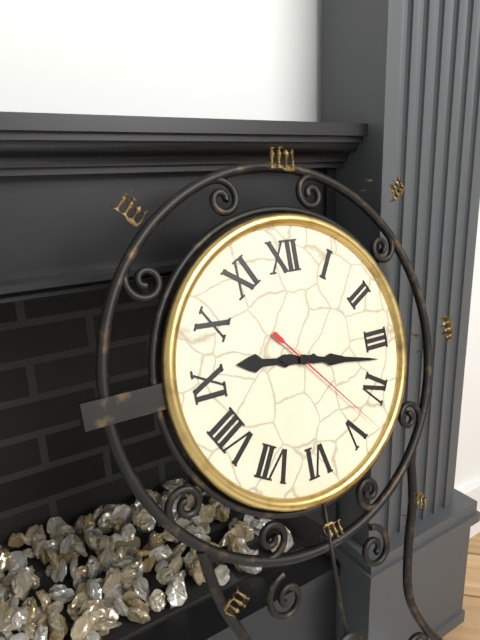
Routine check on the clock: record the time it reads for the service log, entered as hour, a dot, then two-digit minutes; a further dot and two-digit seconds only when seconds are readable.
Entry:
9.17.23
